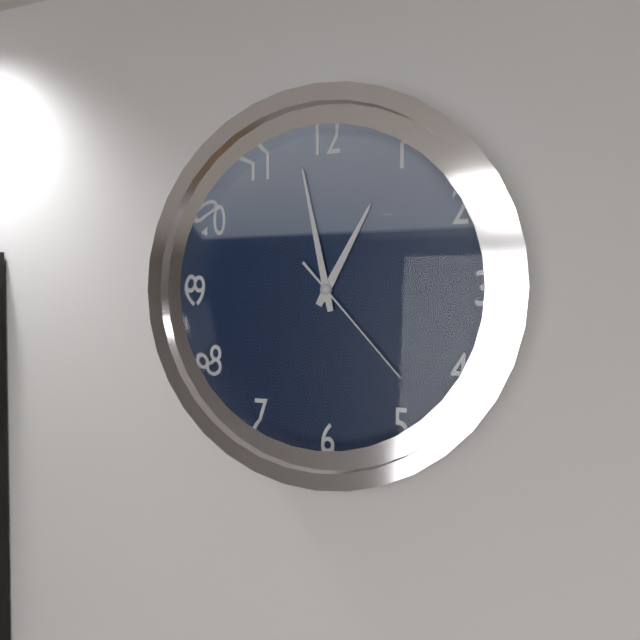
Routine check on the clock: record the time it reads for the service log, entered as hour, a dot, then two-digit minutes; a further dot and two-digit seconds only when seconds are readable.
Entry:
12.58.23
